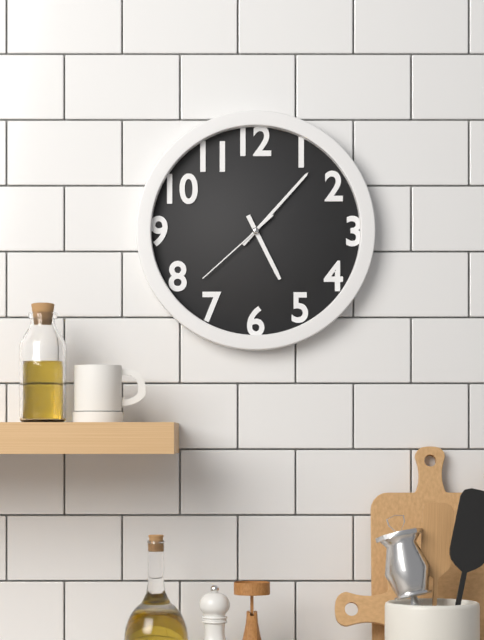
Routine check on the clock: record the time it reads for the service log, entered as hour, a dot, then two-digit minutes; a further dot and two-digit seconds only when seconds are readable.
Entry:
5.07.38
